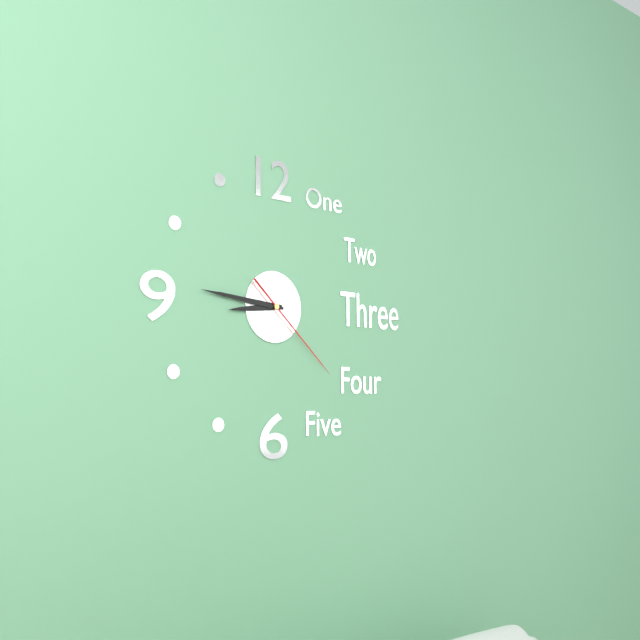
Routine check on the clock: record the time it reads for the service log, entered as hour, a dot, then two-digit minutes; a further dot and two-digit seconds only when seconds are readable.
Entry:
8.46.22
